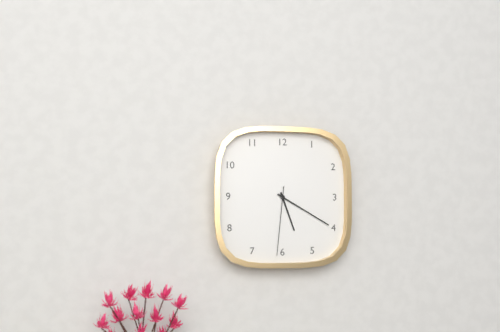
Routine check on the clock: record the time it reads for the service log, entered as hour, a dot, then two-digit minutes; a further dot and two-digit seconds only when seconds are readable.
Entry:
5.20.31
